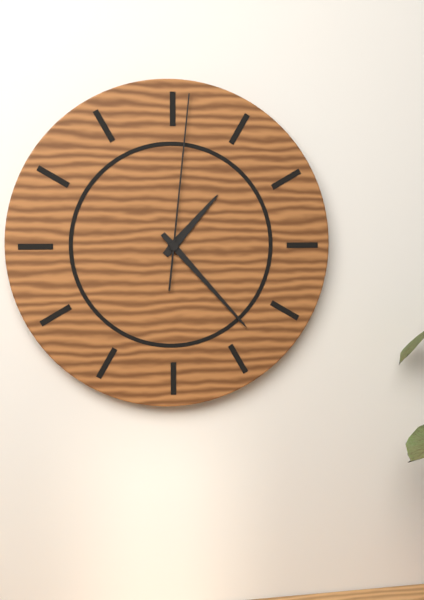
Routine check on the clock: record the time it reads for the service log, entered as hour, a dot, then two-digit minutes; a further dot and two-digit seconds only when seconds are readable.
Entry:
1.23.01
